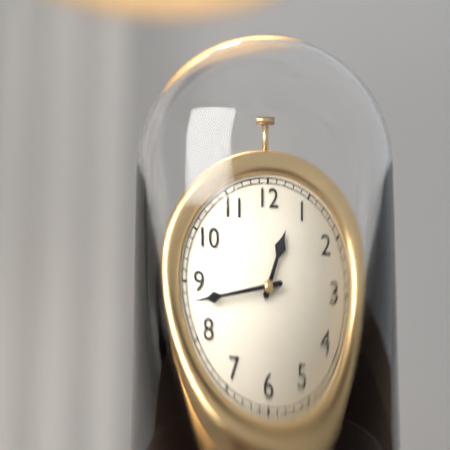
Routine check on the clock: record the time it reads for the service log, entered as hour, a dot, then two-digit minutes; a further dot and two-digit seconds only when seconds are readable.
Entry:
12.43
